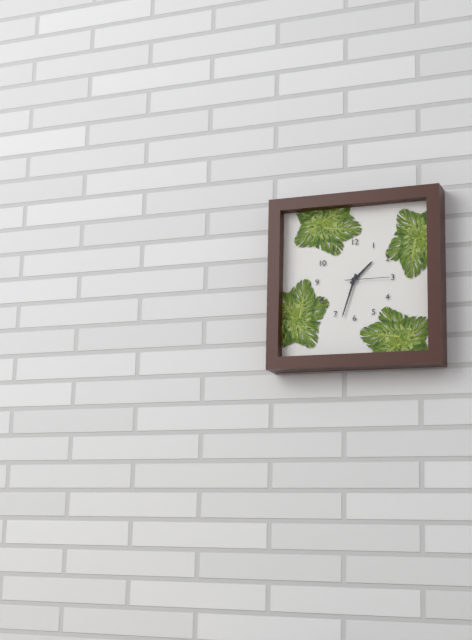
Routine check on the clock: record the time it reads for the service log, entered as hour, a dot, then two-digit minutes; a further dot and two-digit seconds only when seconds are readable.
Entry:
1.33
